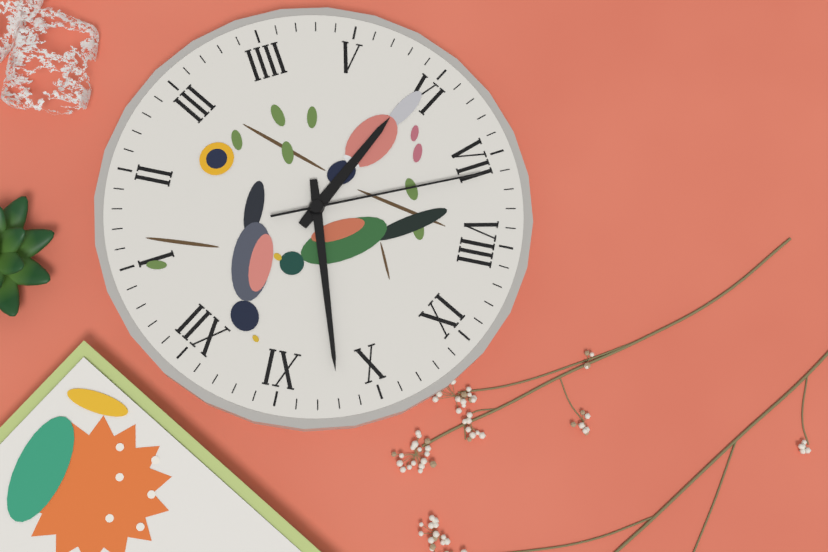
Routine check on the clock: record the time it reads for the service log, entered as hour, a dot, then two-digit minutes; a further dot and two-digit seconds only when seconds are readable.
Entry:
5.52.36
